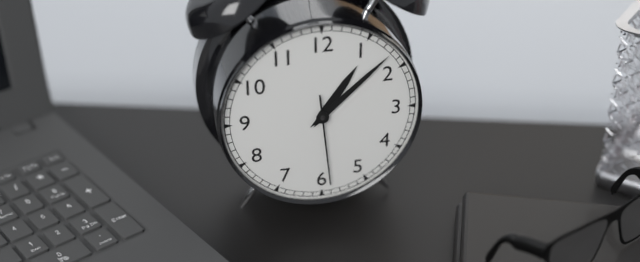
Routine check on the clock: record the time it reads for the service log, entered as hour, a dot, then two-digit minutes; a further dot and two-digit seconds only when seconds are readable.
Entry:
1.08.29
